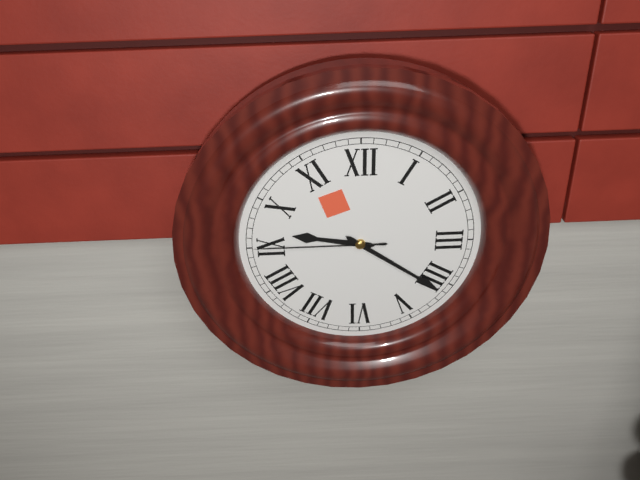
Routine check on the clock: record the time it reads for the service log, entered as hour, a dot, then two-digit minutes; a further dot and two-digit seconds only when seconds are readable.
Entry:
9.21.45
